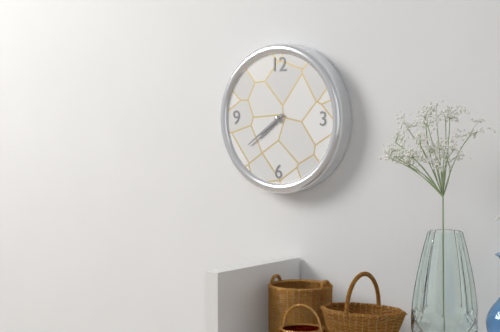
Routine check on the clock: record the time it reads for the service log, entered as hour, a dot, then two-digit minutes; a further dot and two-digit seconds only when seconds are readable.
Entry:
7.39
